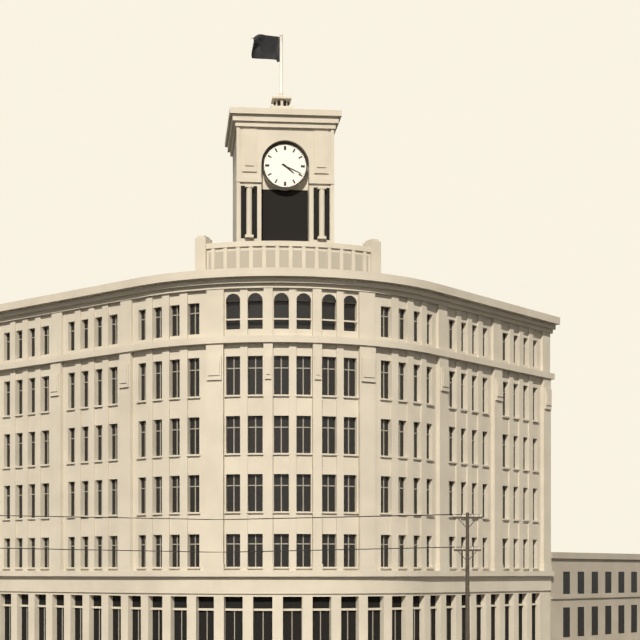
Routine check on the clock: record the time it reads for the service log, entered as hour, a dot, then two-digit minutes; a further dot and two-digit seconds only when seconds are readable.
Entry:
4.19
